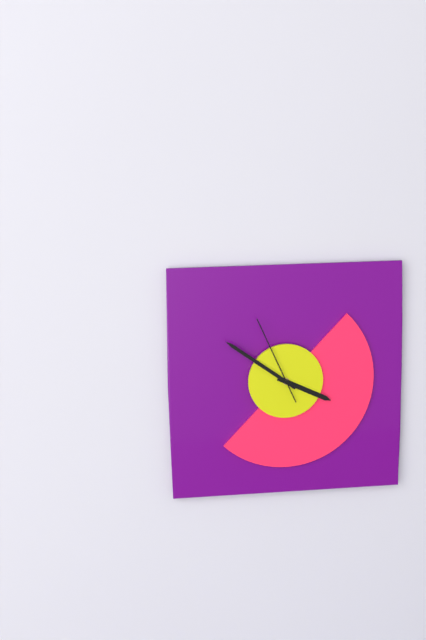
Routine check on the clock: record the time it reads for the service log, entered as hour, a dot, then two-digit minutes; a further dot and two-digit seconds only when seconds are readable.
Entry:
3.51.56
